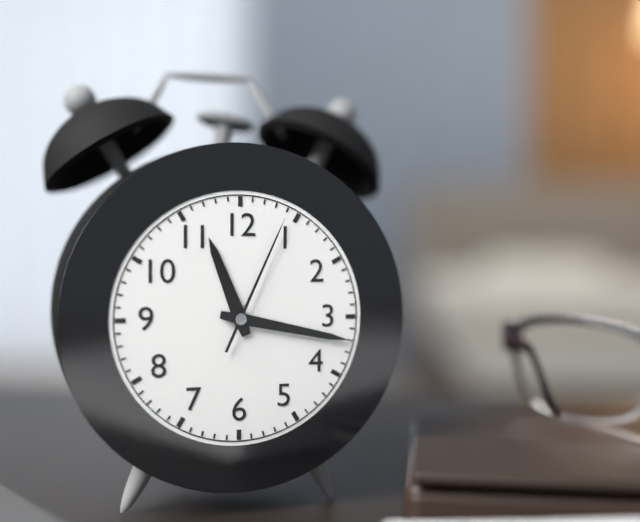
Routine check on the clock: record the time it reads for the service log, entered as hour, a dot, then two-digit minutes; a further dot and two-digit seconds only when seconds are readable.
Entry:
11.17.04
